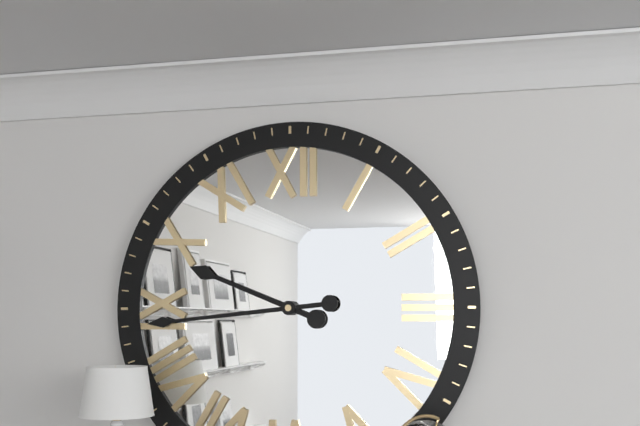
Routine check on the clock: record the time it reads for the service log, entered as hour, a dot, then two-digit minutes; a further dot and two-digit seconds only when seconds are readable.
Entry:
9.44
